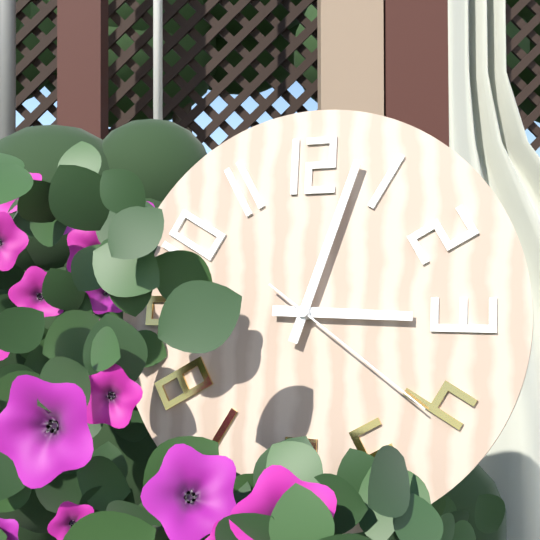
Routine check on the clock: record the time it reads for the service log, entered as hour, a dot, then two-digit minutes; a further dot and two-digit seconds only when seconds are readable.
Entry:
3.03.21
